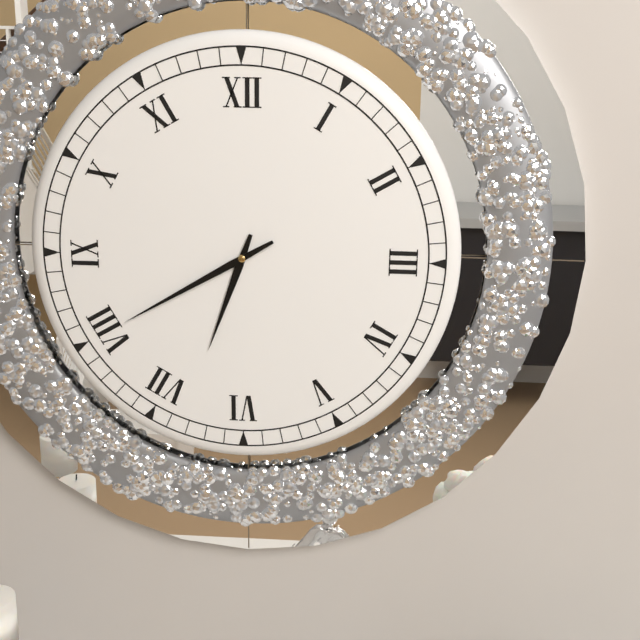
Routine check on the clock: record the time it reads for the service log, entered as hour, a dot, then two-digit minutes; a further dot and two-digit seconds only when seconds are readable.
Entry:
6.40
